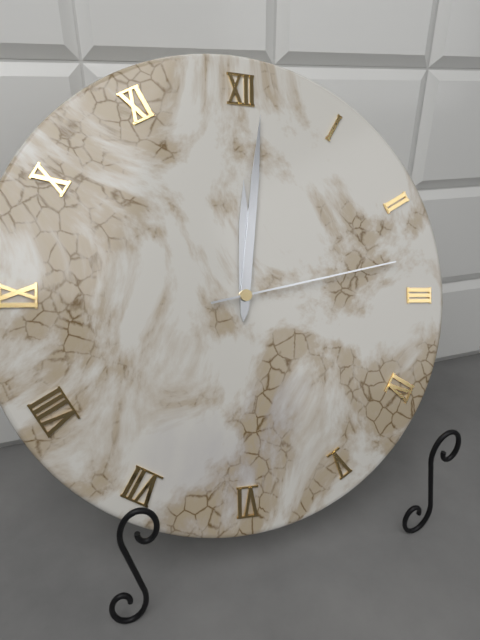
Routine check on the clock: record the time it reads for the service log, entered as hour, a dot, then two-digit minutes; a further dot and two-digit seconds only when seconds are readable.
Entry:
12.01.13
